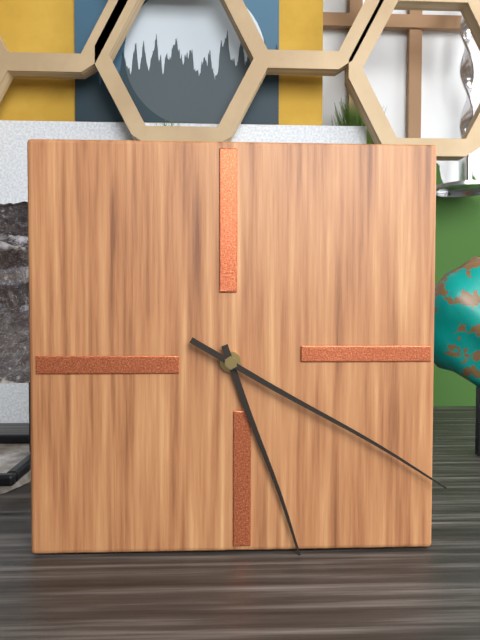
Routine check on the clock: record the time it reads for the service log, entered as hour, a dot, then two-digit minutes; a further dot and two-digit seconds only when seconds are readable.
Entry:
5.20
